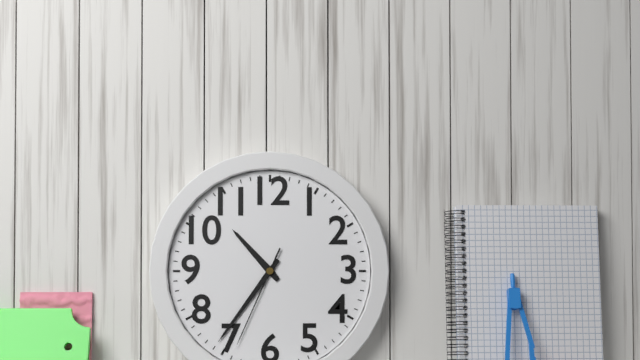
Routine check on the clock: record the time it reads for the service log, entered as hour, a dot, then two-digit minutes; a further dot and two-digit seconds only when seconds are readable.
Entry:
10.36.34
